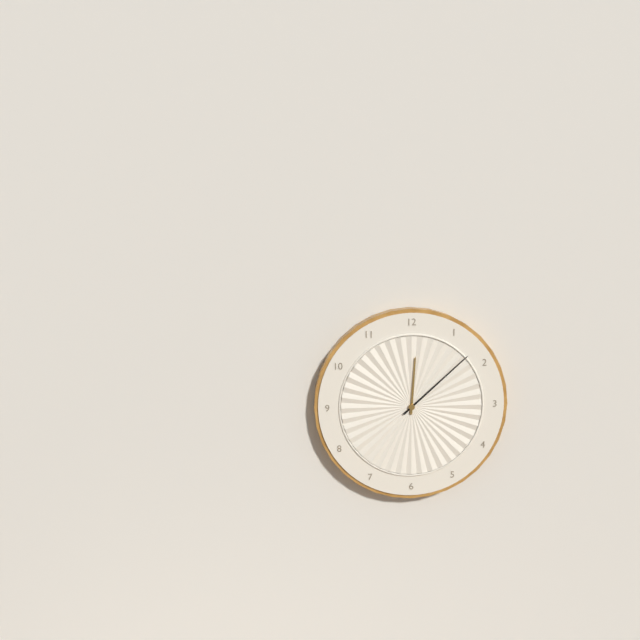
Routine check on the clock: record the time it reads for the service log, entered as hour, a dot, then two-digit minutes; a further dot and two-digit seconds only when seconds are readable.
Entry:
12.08
